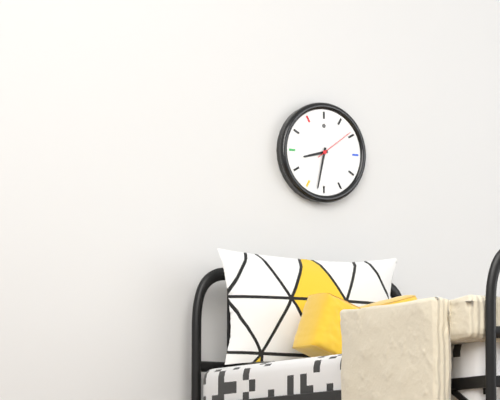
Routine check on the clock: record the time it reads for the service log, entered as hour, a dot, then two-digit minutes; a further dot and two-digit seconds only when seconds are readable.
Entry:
8.32
